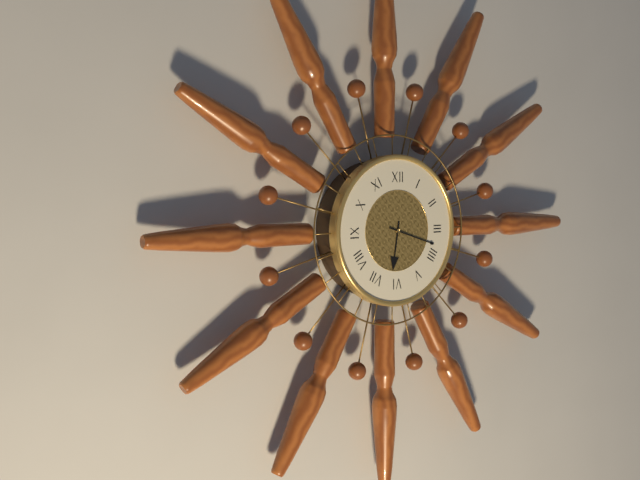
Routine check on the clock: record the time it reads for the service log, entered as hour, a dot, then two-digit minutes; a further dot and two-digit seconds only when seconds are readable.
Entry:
6.18
